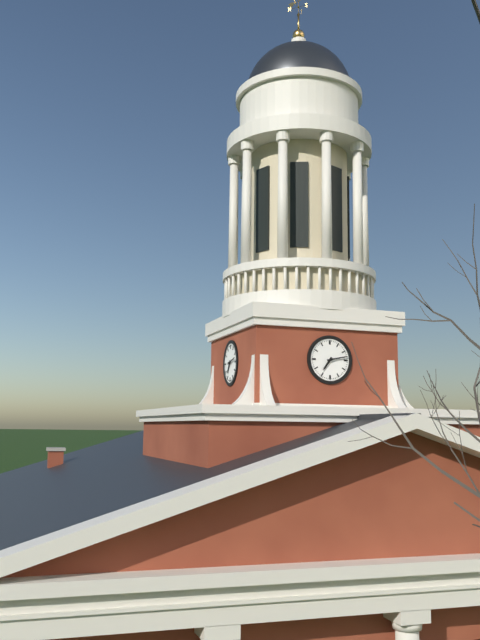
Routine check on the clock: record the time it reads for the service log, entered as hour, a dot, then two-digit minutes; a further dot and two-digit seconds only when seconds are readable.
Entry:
7.13
